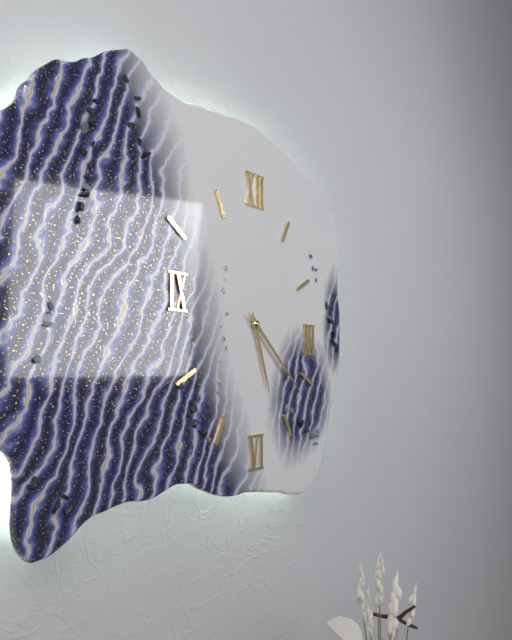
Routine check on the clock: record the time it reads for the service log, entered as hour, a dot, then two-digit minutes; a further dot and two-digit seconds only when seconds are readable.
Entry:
5.22
